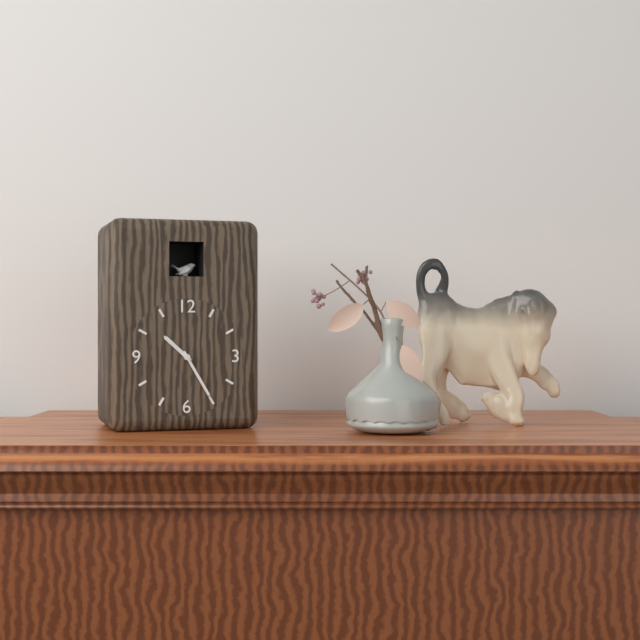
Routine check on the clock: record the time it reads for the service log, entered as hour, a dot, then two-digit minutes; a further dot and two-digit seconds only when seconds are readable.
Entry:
10.25
